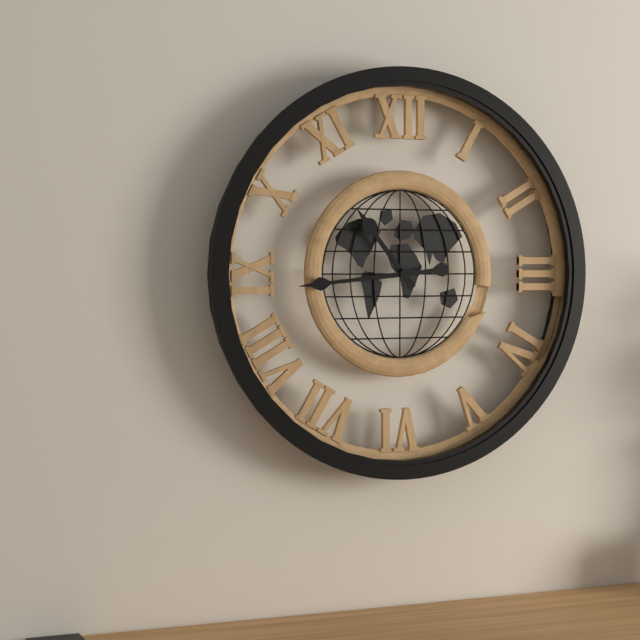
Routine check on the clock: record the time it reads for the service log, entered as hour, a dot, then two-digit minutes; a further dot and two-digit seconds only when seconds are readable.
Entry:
10.44
